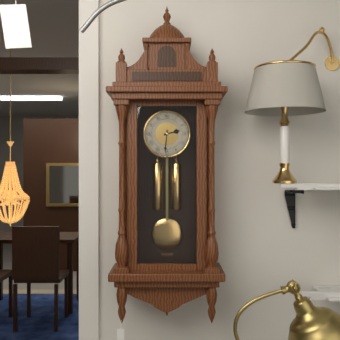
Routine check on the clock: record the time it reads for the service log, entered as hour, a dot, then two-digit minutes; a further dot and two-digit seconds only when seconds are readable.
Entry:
2.31
